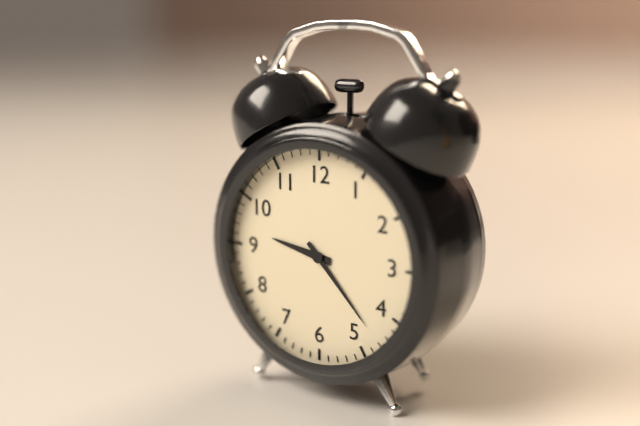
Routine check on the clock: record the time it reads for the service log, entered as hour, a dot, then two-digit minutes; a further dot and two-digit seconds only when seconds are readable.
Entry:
9.23
